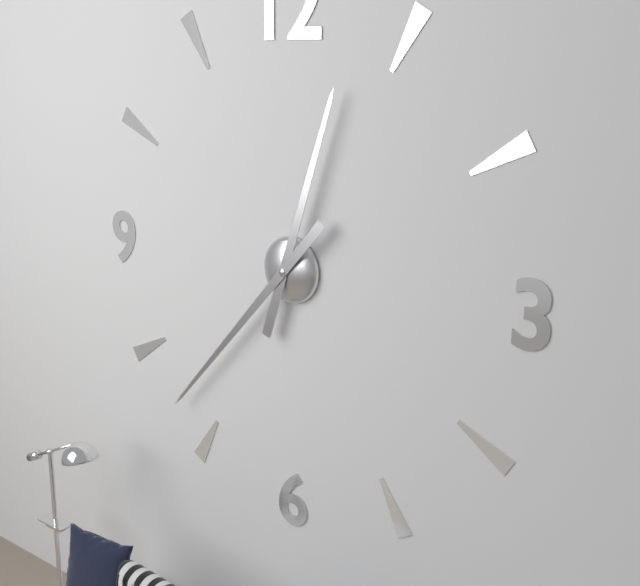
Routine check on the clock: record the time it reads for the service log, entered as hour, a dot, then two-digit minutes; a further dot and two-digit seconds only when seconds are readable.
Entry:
12.37
